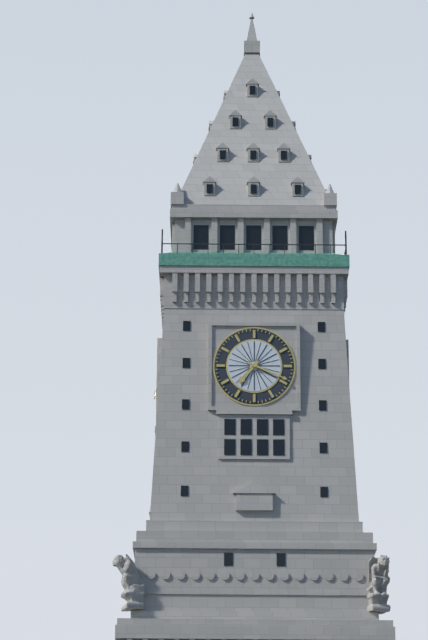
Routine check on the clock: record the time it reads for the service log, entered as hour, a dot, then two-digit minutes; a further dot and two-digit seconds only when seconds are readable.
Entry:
7.19
